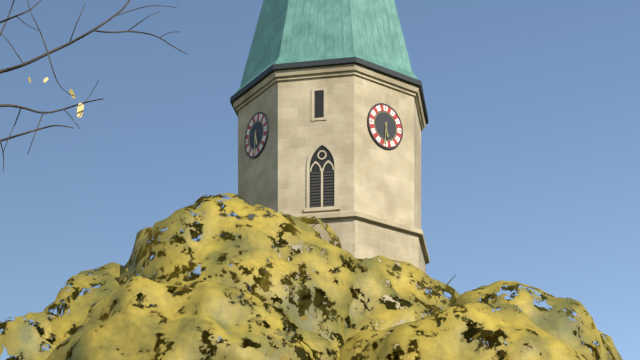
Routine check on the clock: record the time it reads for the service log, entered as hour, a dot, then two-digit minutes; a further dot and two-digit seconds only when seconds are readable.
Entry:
5.31
